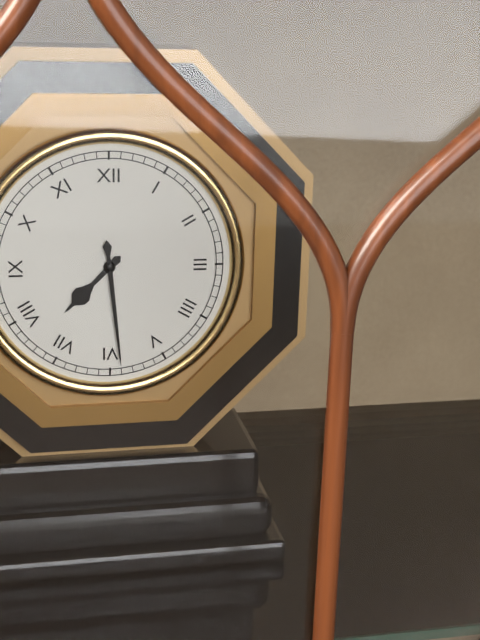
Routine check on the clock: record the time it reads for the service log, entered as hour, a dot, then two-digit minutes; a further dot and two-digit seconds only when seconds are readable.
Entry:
7.29
